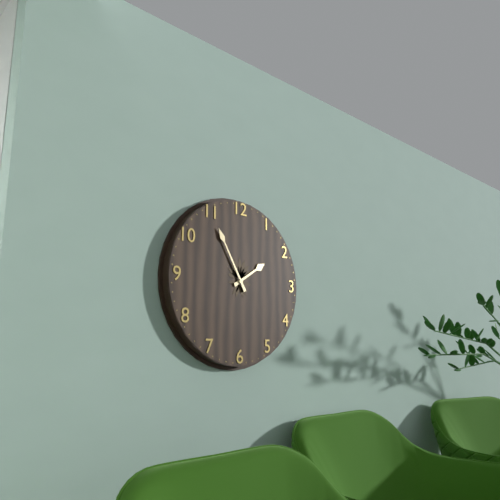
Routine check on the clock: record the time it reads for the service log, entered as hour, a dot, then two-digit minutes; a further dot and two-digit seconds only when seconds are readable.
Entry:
1.55
